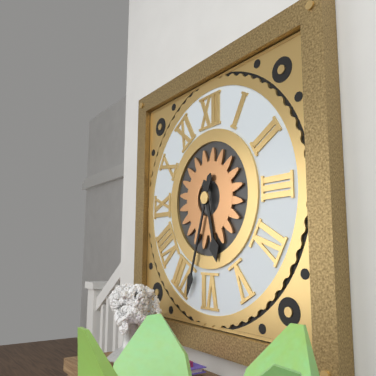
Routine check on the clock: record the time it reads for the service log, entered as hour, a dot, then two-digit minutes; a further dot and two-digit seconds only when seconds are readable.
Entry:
5.33
